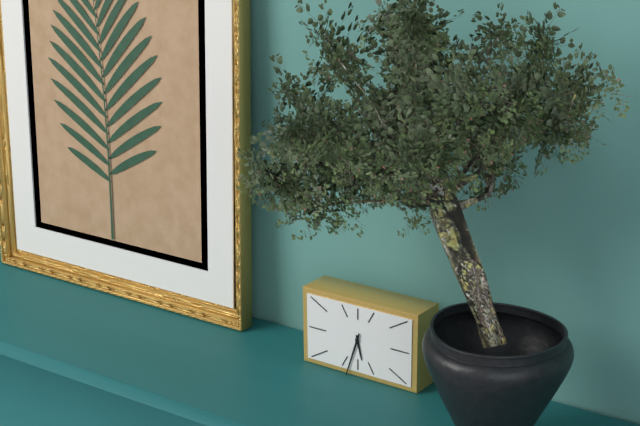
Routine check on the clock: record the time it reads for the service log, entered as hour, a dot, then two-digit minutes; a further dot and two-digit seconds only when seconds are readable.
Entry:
5.33
